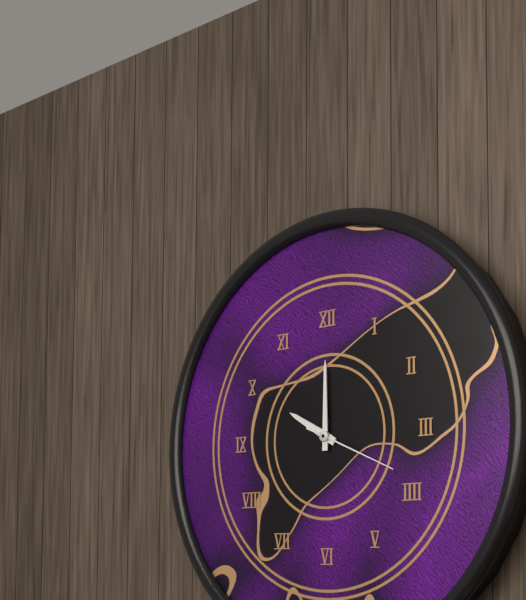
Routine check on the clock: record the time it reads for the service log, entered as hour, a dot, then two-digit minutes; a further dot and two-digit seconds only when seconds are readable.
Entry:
10.00.19
